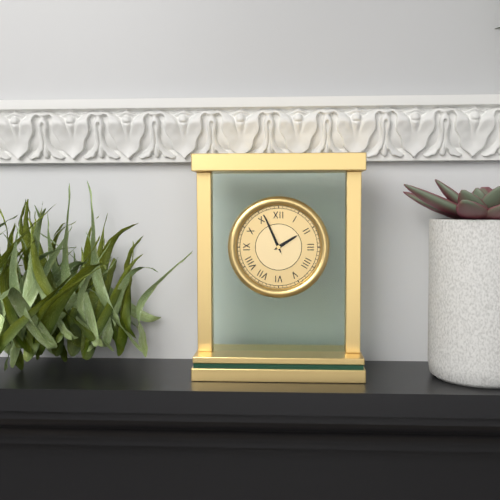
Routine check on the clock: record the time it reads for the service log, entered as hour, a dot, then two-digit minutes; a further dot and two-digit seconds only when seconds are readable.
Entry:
1.56
